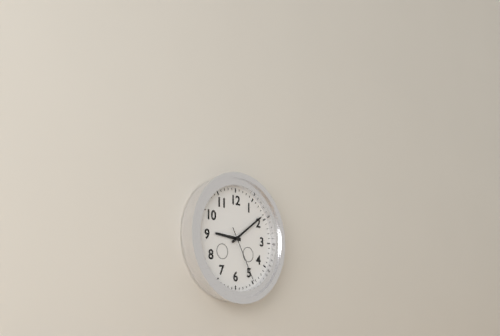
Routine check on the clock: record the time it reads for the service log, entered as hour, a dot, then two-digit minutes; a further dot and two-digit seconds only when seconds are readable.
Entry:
9.09.25
